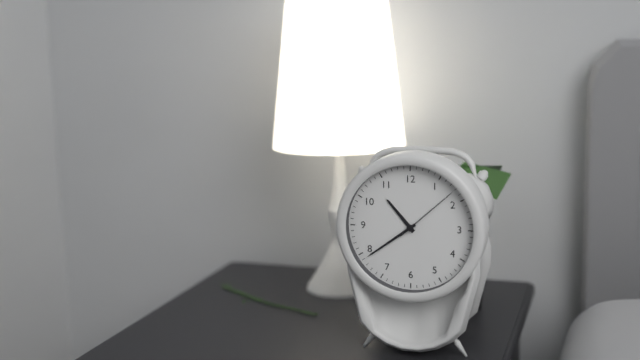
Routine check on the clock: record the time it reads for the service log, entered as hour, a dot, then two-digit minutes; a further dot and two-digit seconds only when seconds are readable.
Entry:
10.39.08
